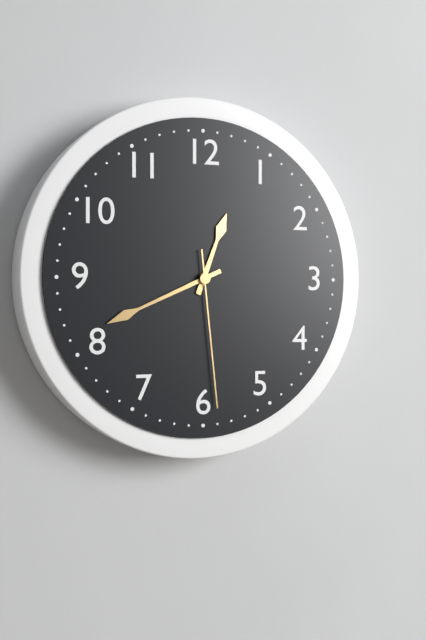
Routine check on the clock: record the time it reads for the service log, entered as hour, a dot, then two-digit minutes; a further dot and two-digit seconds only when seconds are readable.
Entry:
12.41.29
